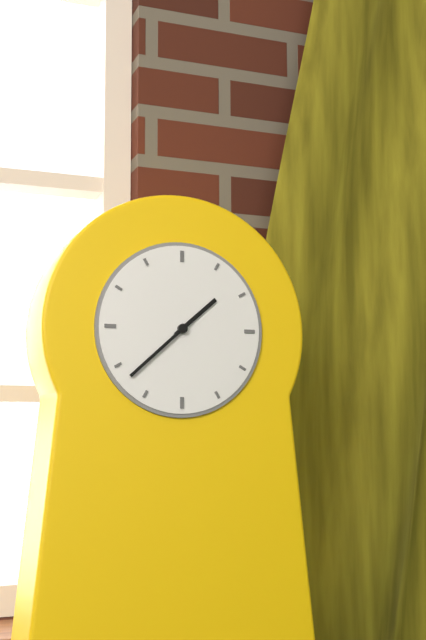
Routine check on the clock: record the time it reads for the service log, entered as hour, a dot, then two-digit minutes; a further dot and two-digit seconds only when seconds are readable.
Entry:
1.38
